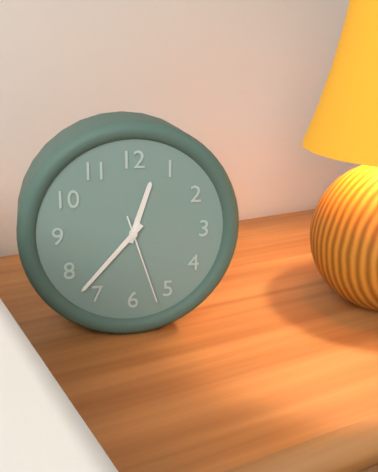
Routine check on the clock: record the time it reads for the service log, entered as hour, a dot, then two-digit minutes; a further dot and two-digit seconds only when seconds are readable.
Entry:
12.37.27
